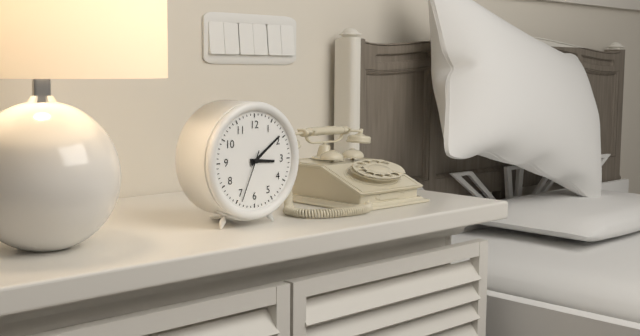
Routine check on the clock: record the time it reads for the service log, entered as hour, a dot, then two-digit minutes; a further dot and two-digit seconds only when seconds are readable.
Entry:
3.09.34
